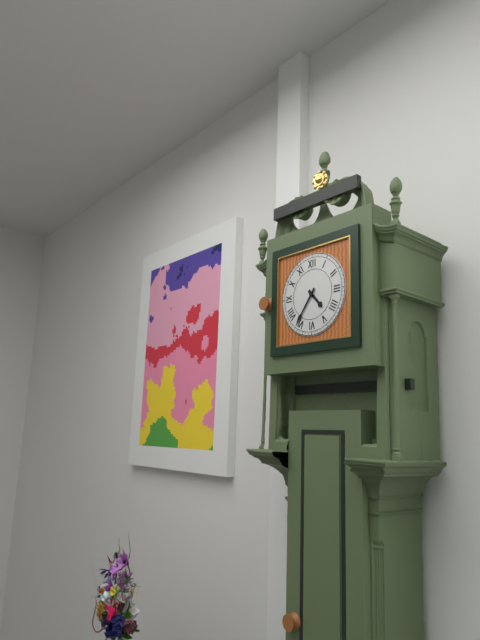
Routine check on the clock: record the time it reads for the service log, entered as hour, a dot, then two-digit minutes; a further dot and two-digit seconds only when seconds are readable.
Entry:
4.36
